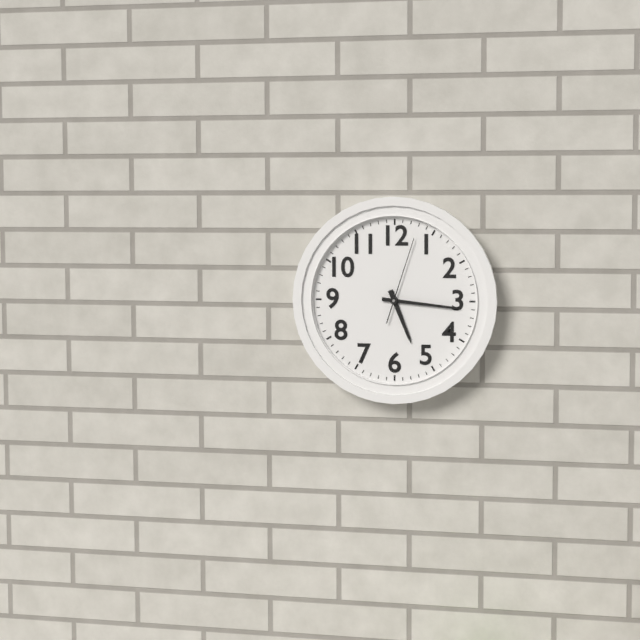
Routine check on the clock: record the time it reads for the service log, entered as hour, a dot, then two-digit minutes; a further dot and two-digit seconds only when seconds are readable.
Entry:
5.16.03
